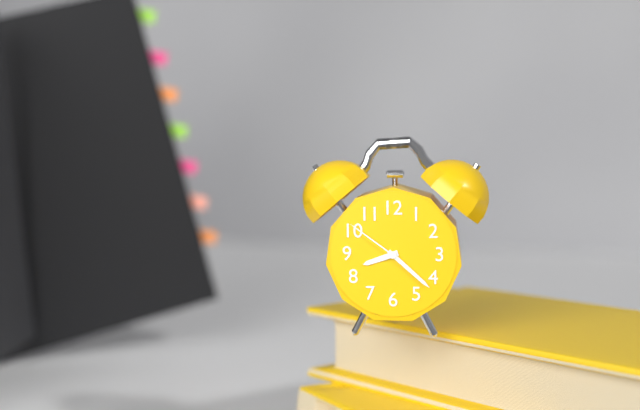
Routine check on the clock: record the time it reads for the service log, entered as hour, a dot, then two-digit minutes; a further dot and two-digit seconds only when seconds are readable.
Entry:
8.22.51
